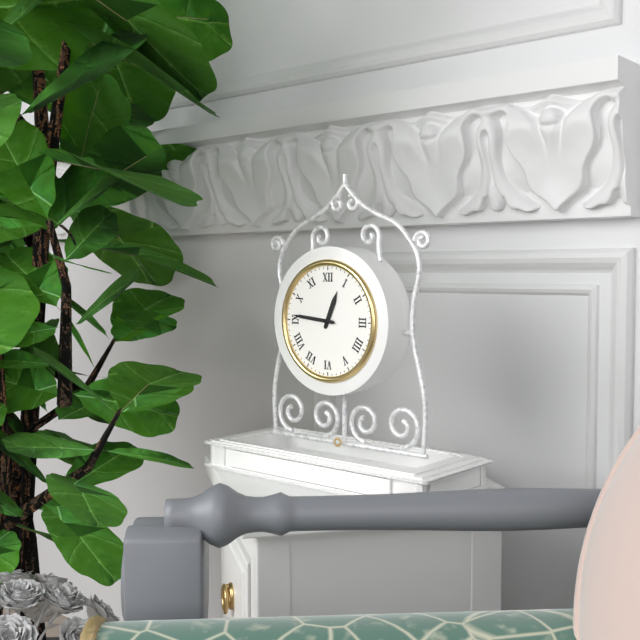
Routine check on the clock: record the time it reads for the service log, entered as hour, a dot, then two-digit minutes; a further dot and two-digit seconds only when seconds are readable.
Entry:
12.46
